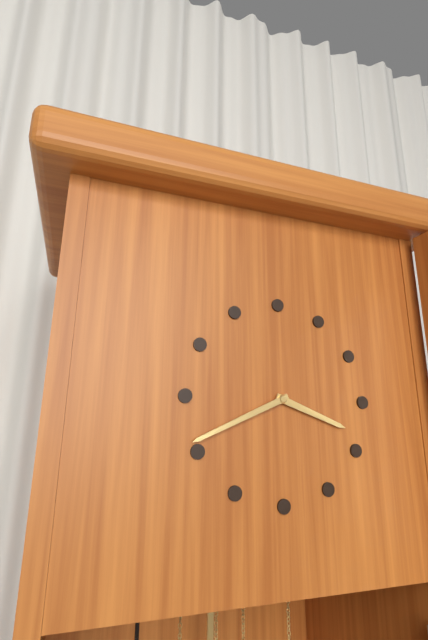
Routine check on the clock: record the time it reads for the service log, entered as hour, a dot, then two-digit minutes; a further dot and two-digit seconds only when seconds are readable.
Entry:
3.41
